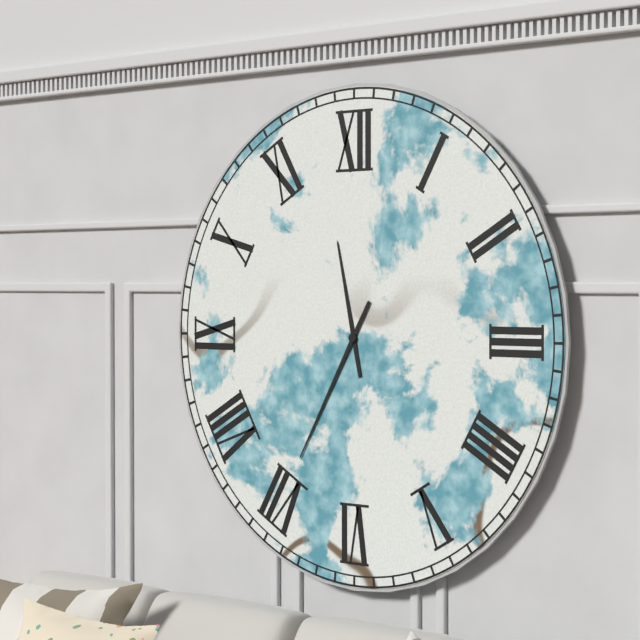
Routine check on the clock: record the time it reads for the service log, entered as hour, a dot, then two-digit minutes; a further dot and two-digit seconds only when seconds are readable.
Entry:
11.35
